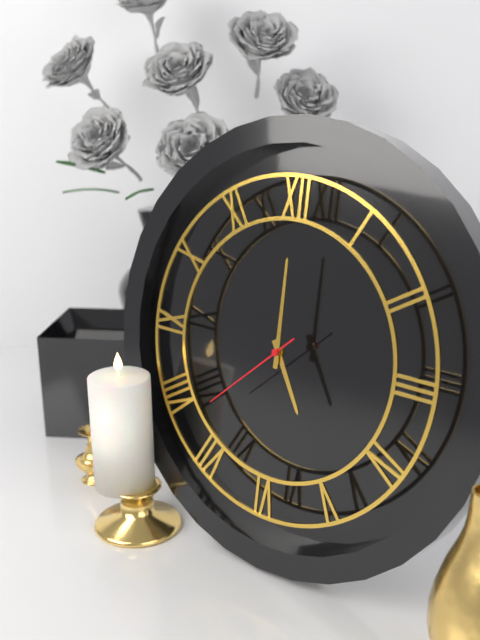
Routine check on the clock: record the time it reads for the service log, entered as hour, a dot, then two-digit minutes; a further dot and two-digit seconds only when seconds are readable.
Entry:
5.00.38
